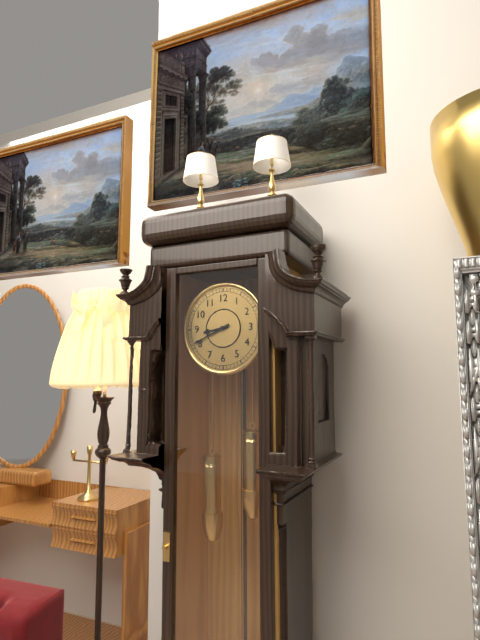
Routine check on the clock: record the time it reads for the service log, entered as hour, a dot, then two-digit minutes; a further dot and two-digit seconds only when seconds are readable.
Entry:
8.41
